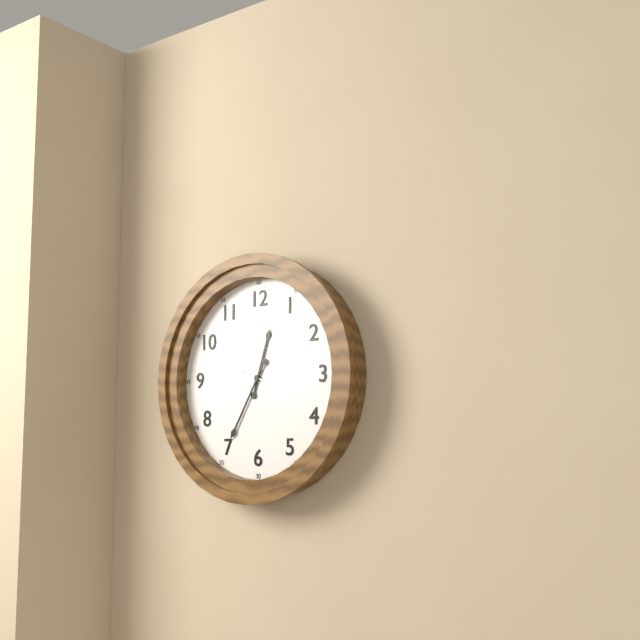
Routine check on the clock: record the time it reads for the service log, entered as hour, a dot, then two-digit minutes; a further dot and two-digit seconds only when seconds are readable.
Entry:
12.35.18
